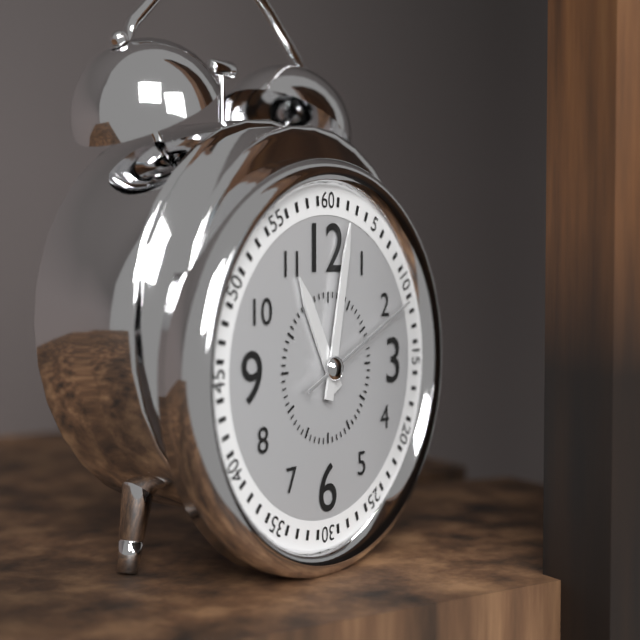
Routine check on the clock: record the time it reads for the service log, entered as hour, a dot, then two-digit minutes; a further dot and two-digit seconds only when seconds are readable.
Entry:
11.02.11
